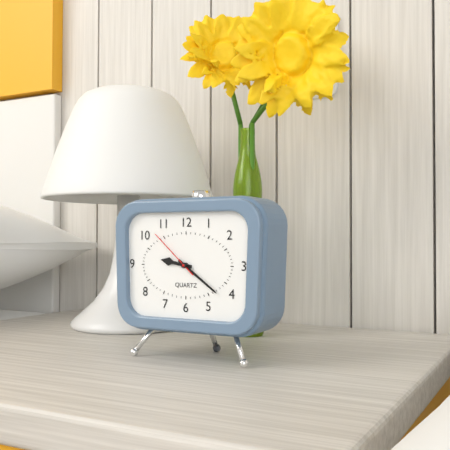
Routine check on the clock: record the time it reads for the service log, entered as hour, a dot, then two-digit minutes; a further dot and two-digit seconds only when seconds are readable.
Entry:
9.21.52
